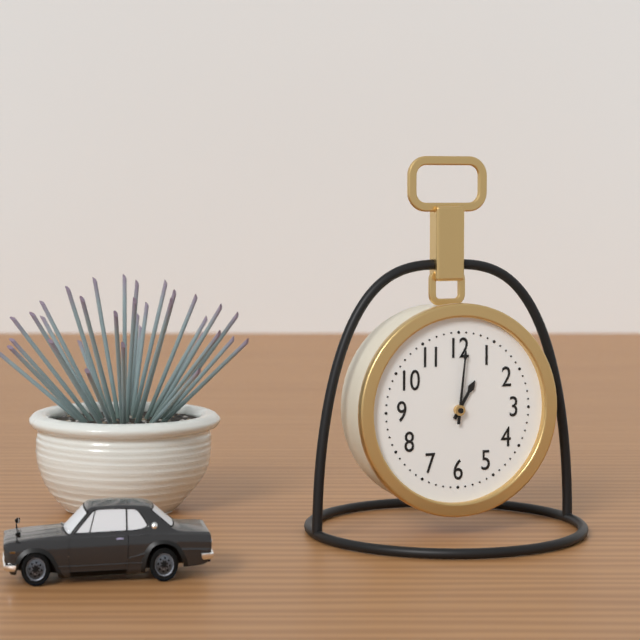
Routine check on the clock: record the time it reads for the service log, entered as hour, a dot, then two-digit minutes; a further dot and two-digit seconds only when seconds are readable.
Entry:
1.01
